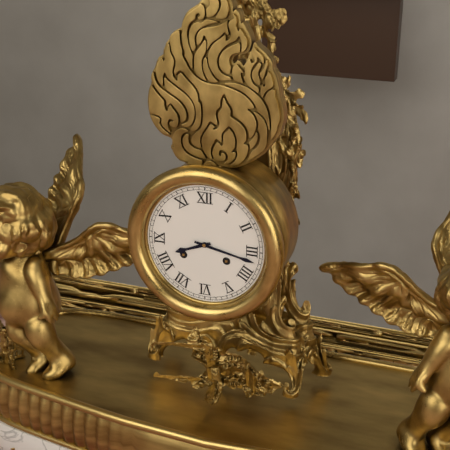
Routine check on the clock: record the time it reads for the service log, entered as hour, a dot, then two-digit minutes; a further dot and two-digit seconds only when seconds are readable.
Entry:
8.17
